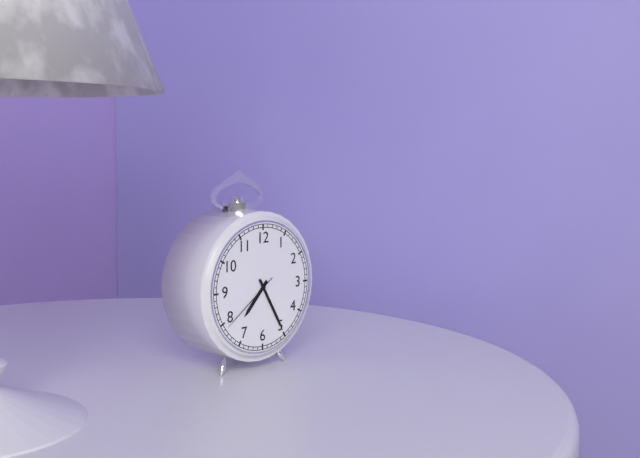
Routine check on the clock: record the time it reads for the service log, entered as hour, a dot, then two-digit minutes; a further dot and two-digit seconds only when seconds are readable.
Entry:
7.25.39
